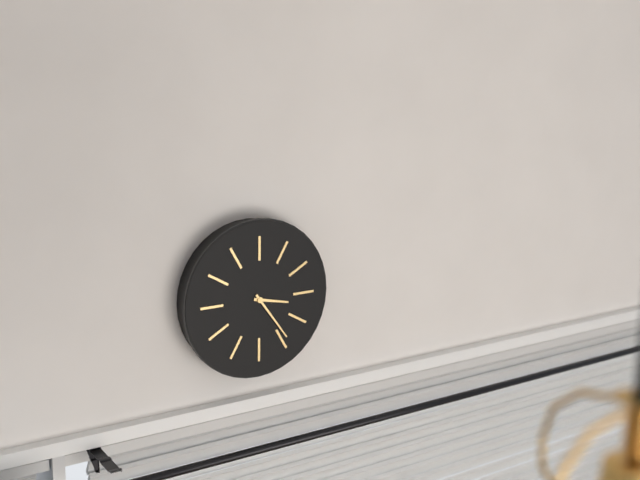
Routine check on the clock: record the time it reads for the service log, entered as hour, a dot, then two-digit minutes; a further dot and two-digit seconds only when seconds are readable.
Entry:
3.24
